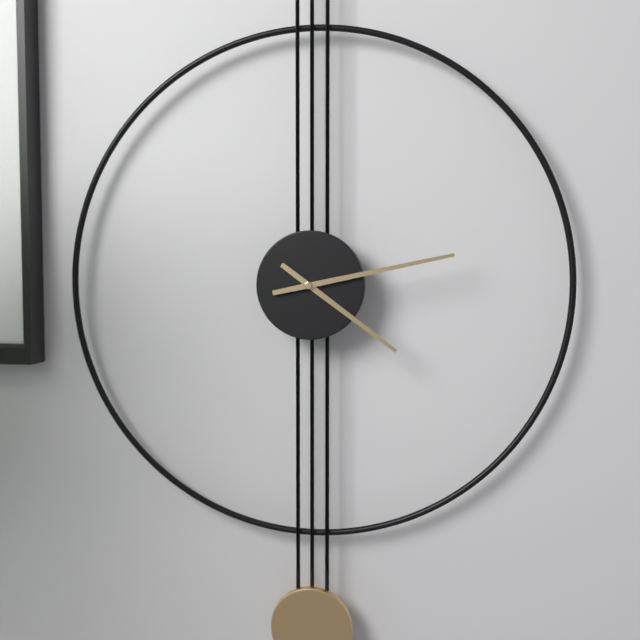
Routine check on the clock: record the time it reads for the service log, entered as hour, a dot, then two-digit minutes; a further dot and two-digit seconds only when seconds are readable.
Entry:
4.13
